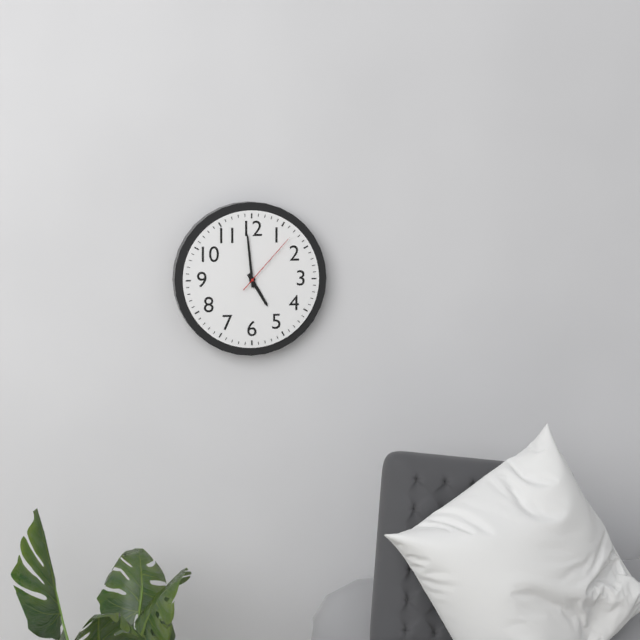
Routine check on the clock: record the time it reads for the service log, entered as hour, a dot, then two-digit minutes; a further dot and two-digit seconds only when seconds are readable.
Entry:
4.59.07
